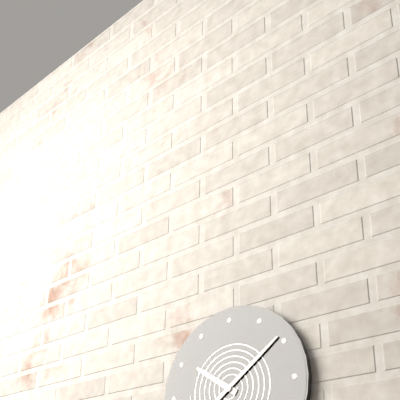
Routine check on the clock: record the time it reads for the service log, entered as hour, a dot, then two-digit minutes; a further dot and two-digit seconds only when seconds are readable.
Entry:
10.09
